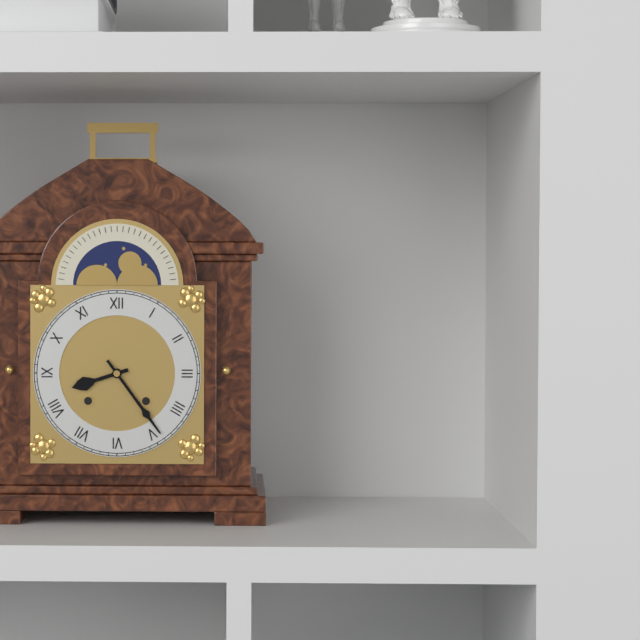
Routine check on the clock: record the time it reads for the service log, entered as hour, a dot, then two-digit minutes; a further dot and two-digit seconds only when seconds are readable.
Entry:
8.24
